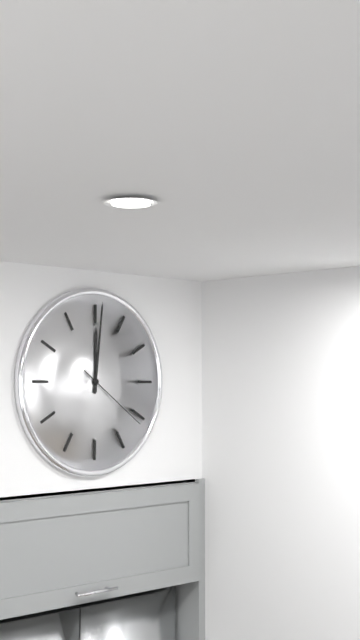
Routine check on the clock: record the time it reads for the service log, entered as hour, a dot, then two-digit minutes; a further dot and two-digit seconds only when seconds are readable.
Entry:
12.01.21
